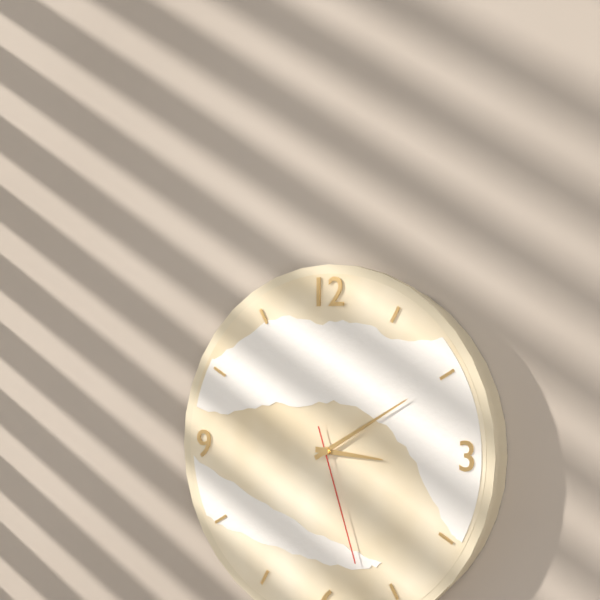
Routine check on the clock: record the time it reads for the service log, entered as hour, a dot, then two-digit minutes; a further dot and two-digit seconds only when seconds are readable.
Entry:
3.10.27
